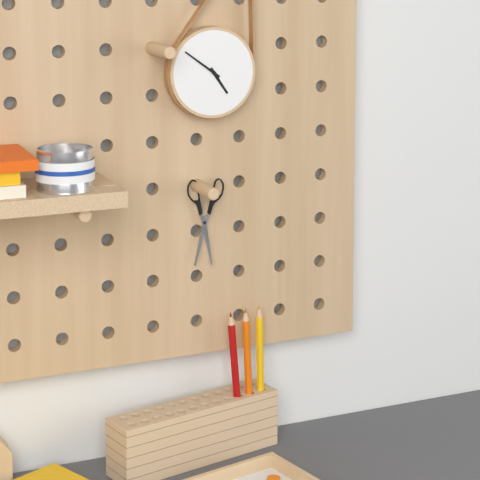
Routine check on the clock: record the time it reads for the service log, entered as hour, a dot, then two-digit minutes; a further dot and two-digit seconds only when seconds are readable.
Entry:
4.51
